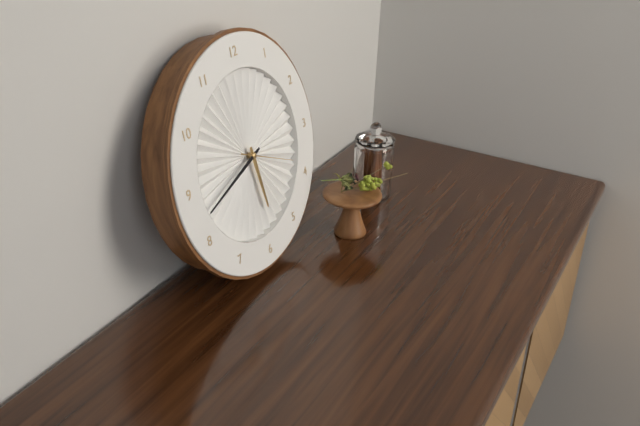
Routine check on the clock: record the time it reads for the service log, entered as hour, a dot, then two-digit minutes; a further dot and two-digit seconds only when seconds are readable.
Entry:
5.42.19
